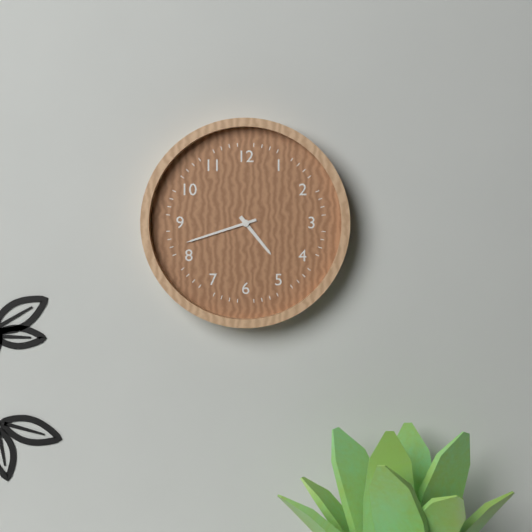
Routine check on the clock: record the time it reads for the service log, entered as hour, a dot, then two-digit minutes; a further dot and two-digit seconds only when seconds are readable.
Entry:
4.42
